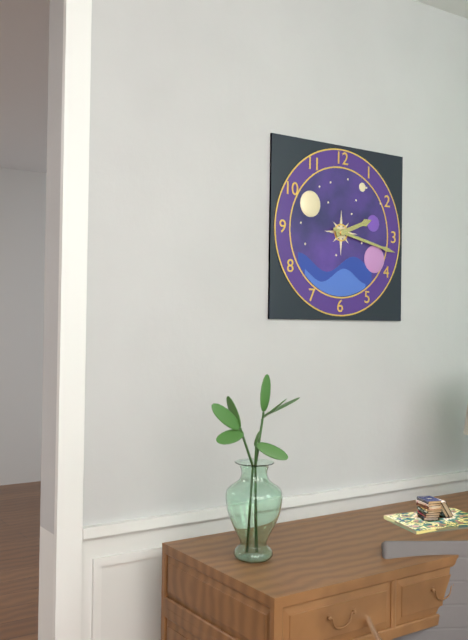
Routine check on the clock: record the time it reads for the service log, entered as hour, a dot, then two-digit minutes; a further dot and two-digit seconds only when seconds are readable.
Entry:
2.17
